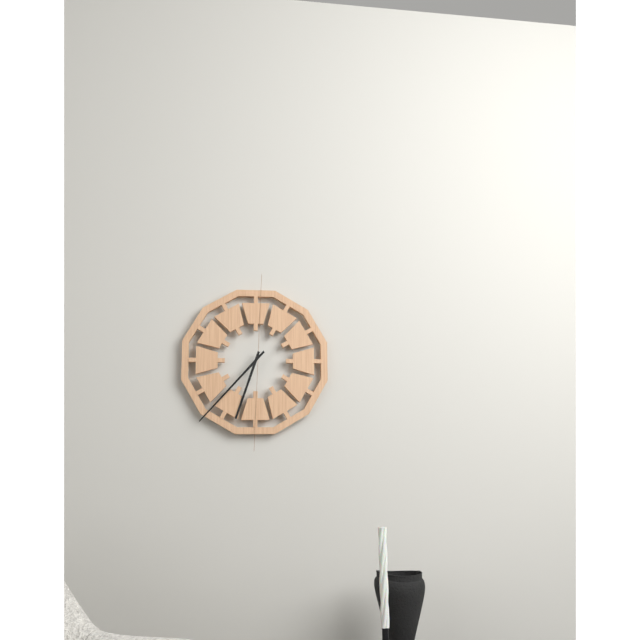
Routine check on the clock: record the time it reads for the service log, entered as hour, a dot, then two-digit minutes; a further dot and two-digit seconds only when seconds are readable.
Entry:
6.37
